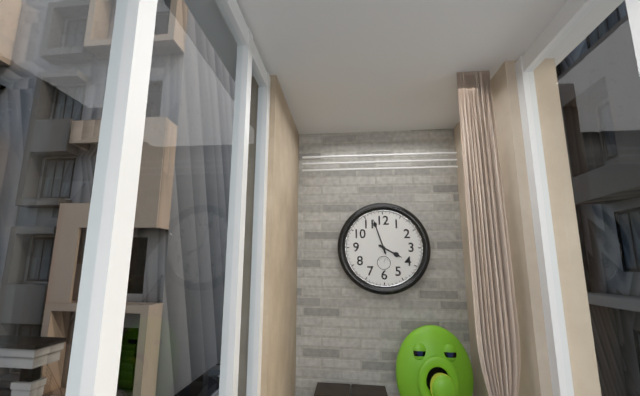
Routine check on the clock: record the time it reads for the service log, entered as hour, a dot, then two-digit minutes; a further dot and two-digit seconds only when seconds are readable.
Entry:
3.57
